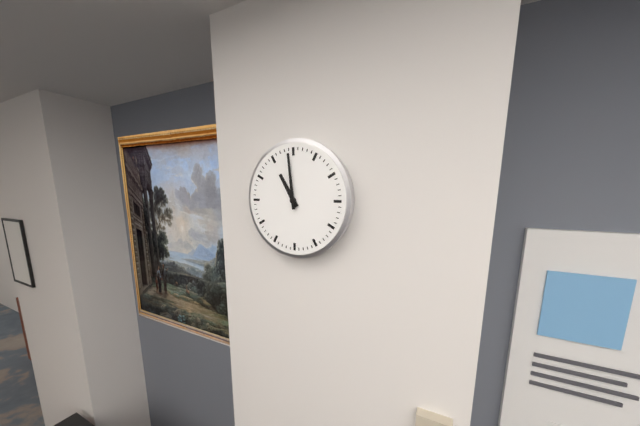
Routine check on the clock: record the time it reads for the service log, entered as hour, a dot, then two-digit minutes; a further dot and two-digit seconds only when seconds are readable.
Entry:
10.59
